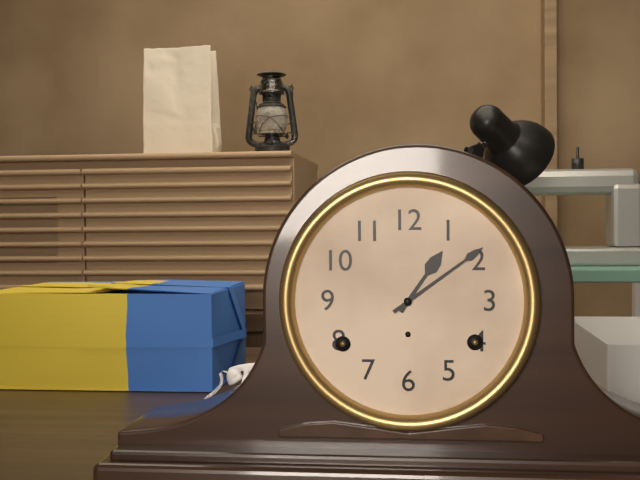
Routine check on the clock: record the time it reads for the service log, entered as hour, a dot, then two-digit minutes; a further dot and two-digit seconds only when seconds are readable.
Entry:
1.09
